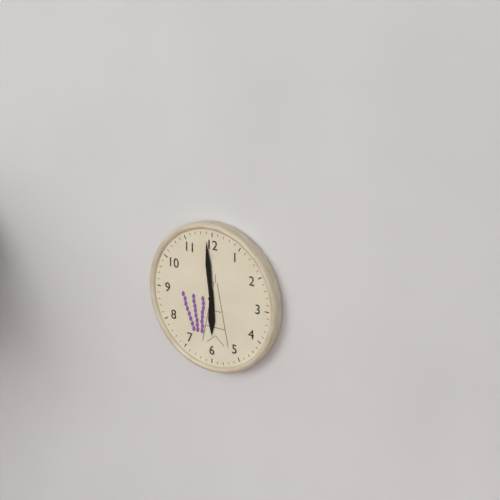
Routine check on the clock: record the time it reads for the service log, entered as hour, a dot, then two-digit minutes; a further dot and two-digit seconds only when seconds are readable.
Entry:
5.59
